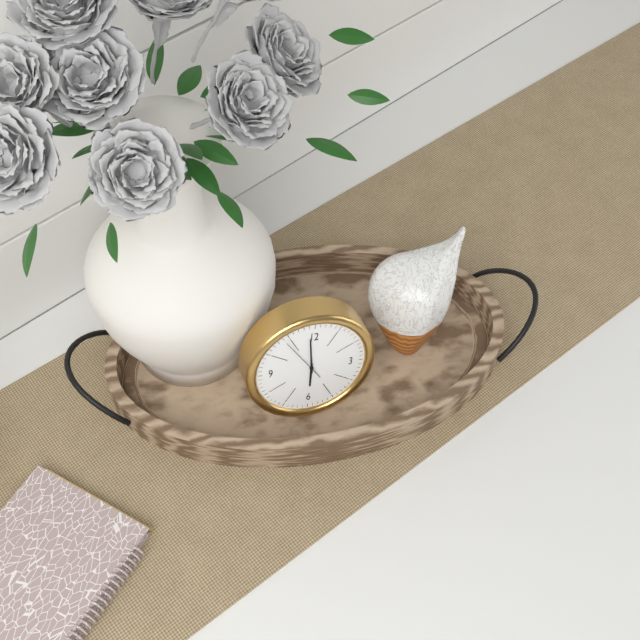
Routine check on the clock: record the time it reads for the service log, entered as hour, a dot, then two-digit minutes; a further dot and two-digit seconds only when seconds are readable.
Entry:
5.59
